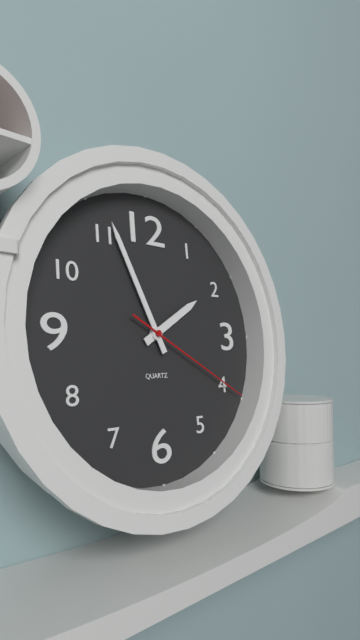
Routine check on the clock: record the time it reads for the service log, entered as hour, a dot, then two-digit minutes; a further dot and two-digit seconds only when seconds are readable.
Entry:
1.56.20
